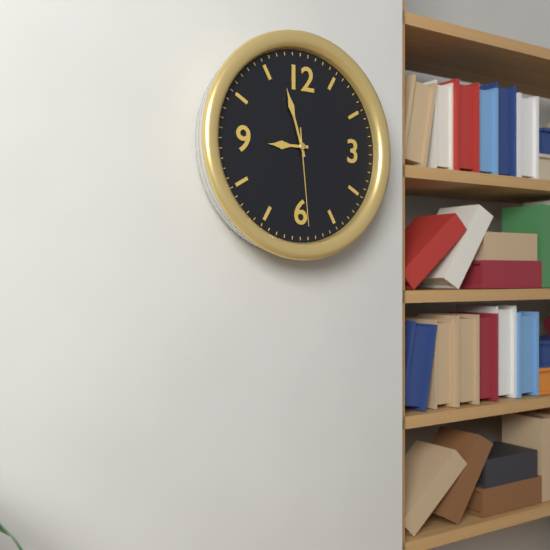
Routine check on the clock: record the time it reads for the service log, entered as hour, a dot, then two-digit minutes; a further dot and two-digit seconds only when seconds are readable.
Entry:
8.57.29
